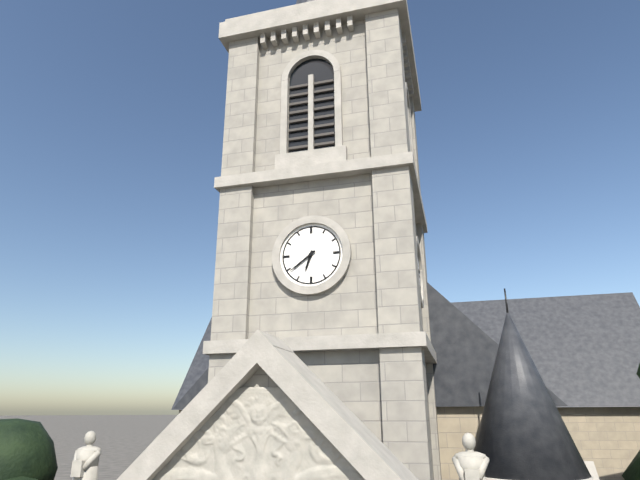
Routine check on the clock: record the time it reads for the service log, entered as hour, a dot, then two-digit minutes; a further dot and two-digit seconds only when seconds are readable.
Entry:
6.39
